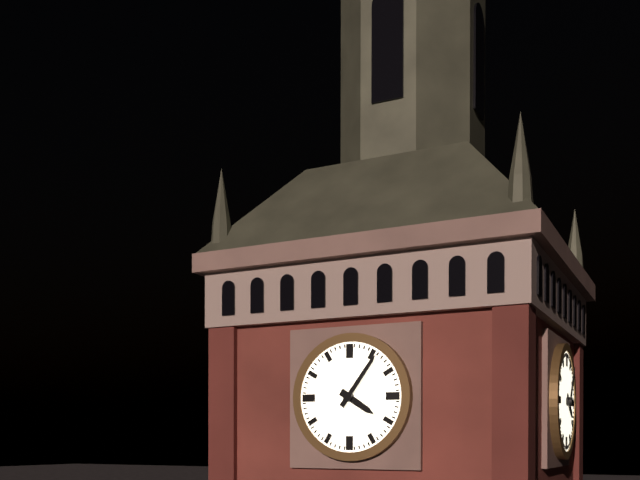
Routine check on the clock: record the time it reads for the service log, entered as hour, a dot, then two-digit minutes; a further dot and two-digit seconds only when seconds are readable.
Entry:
4.06
